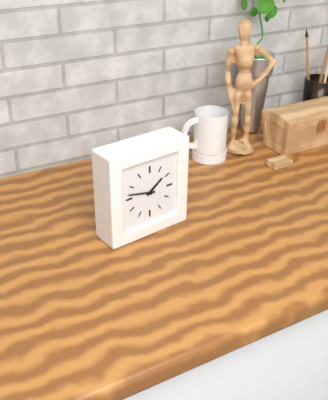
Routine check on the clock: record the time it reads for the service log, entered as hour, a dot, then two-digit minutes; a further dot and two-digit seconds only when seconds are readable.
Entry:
1.47
